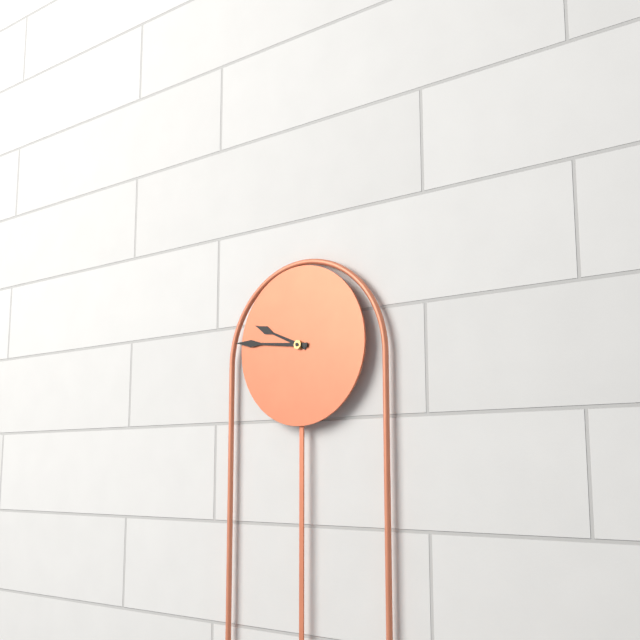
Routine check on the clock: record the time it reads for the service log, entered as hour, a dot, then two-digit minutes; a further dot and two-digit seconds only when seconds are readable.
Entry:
9.46
